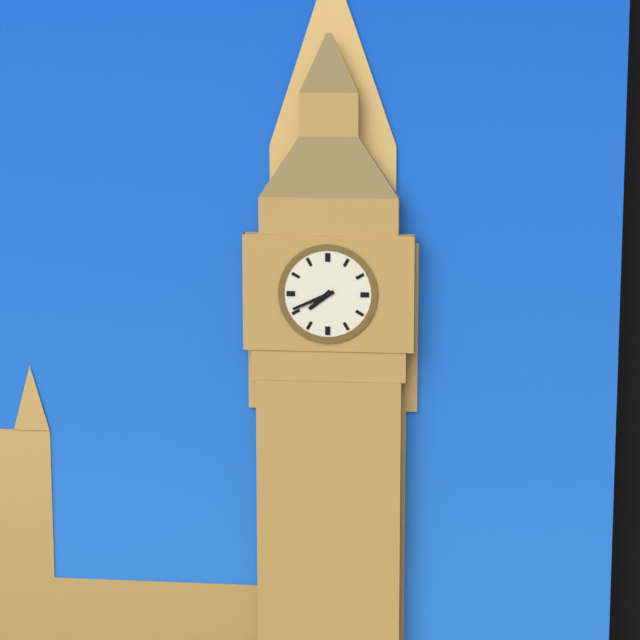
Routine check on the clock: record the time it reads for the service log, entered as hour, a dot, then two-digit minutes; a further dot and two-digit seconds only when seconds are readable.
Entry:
7.41
